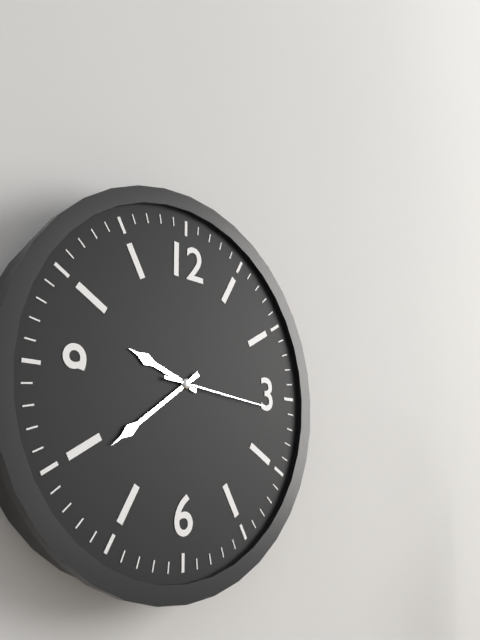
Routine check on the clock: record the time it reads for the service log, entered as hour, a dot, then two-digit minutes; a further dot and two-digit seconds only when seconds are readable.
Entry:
9.39.16
